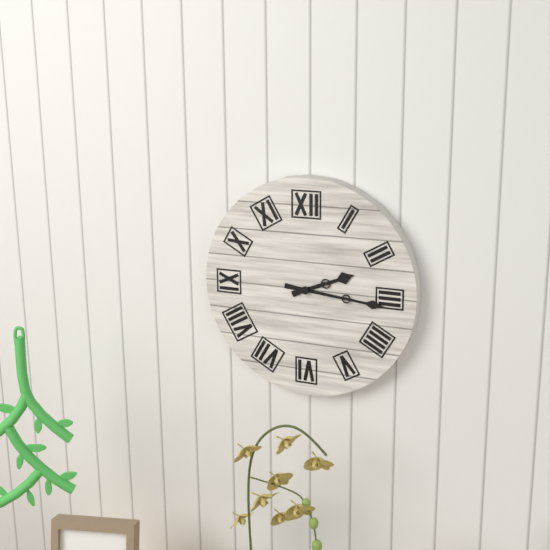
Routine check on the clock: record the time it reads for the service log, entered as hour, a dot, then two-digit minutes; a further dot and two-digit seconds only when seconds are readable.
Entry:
2.16
